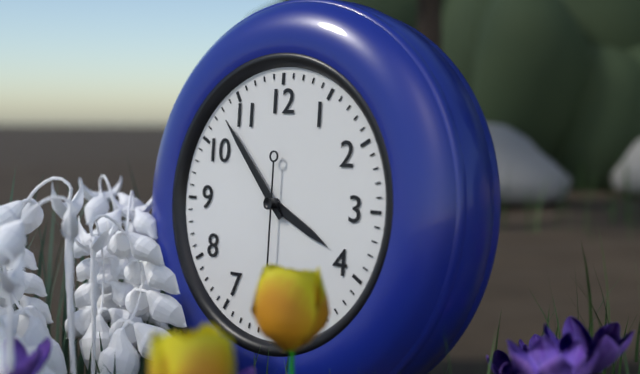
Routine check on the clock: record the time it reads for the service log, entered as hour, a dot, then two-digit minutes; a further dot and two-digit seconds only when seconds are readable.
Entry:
3.53
